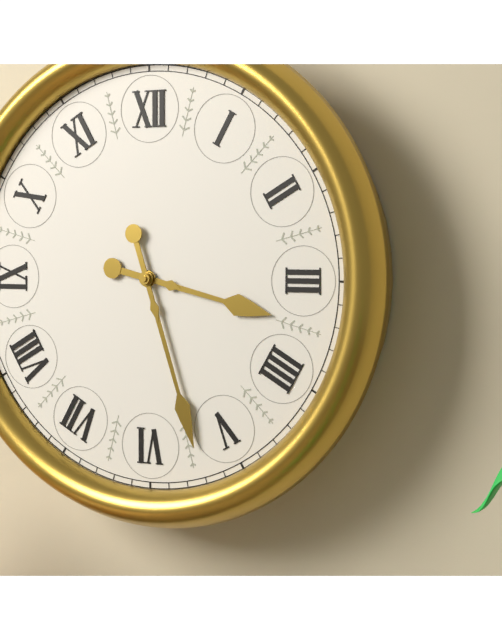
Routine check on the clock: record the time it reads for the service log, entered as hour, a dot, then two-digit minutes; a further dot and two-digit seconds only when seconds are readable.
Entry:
3.27
